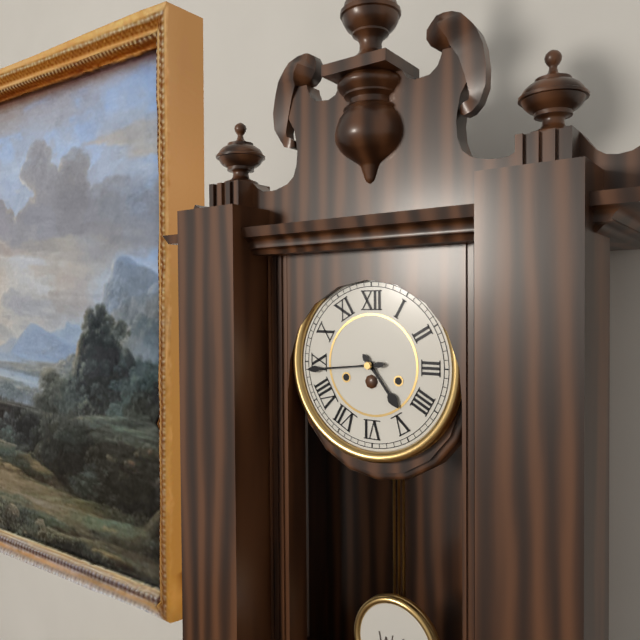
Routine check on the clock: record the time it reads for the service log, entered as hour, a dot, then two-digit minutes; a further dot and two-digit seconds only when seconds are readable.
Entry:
4.44
